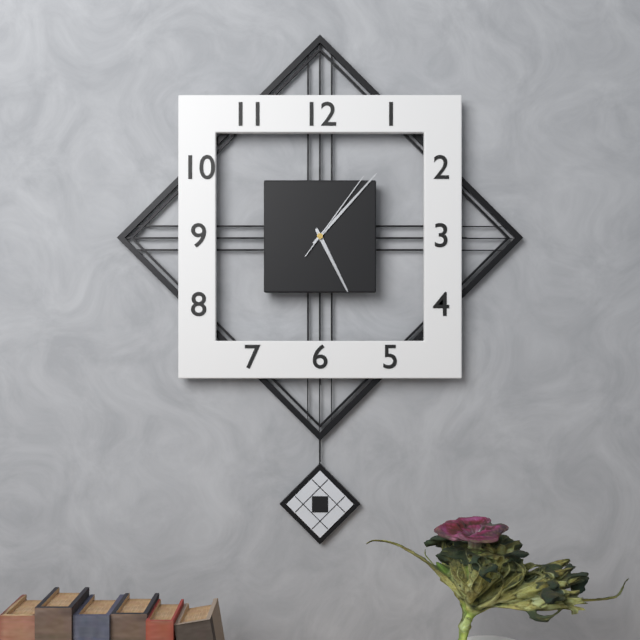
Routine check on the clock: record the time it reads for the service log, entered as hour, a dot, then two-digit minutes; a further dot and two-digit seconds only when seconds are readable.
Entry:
5.07.06
